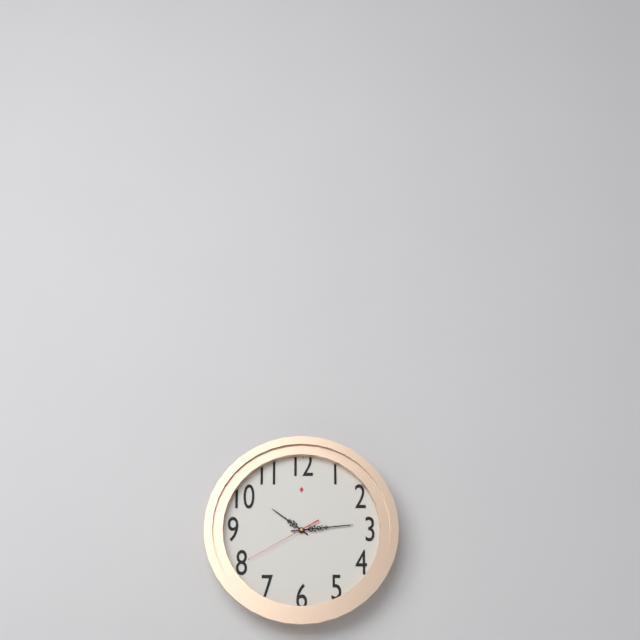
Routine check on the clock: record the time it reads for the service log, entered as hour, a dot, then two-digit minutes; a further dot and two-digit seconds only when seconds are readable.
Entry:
10.14.40
